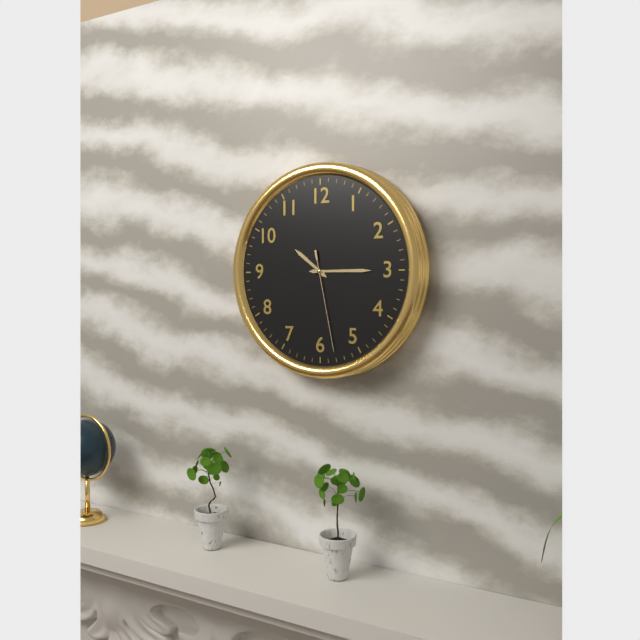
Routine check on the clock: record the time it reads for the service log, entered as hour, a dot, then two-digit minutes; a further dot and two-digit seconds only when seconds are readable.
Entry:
10.15.28
